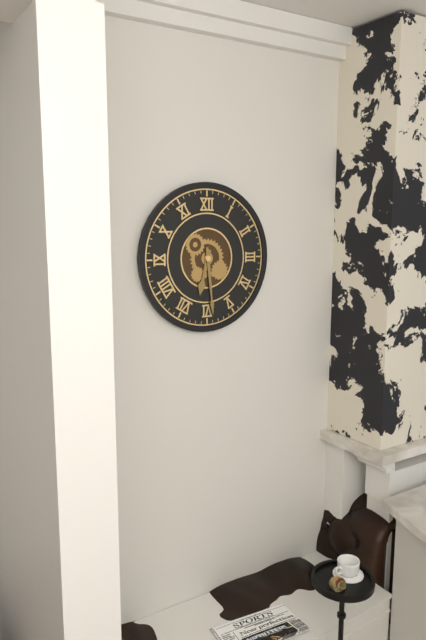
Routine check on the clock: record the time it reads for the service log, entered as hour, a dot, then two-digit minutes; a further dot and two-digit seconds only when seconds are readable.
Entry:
6.29
